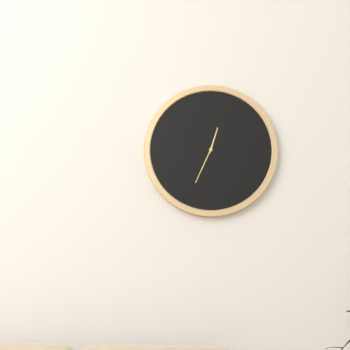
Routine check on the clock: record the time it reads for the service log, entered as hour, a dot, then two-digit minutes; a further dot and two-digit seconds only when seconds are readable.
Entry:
12.34
